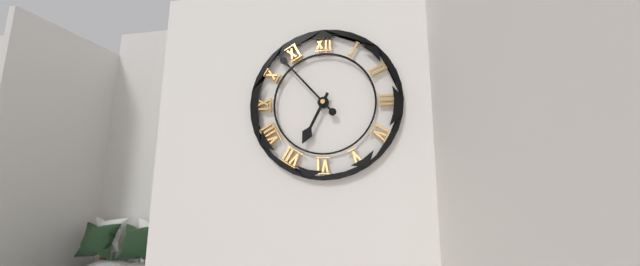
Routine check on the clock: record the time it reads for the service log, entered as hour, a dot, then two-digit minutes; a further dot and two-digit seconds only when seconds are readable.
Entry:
6.53
